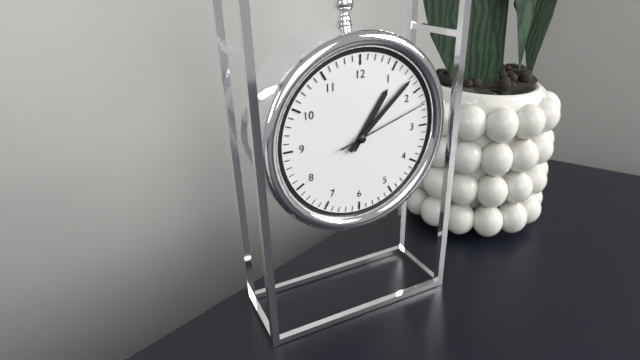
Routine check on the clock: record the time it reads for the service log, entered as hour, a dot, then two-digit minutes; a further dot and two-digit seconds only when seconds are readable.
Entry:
1.08.12
